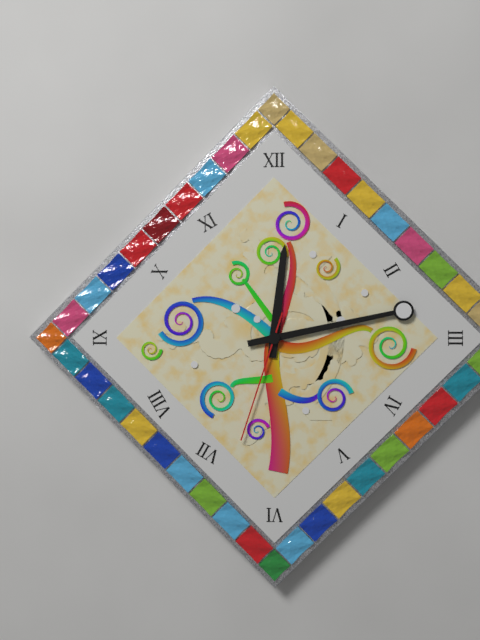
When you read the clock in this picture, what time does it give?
12:13:33
